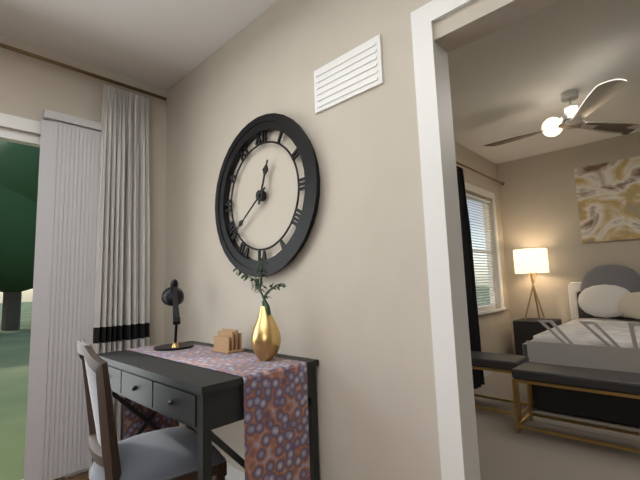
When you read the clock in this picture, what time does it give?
12:39
